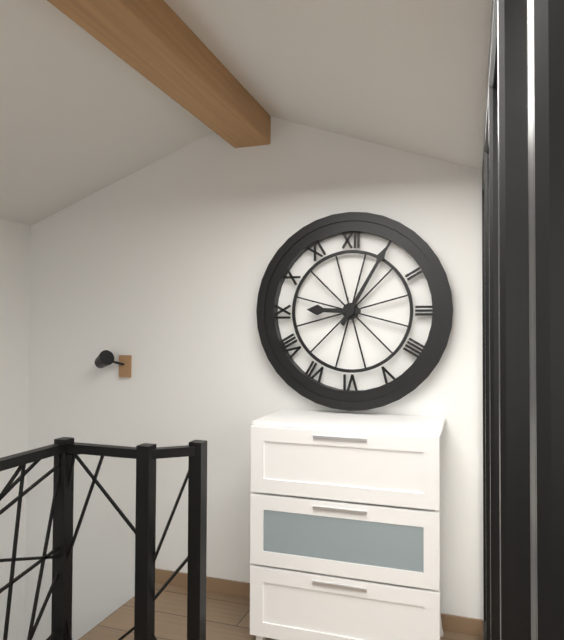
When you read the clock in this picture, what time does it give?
9:05
